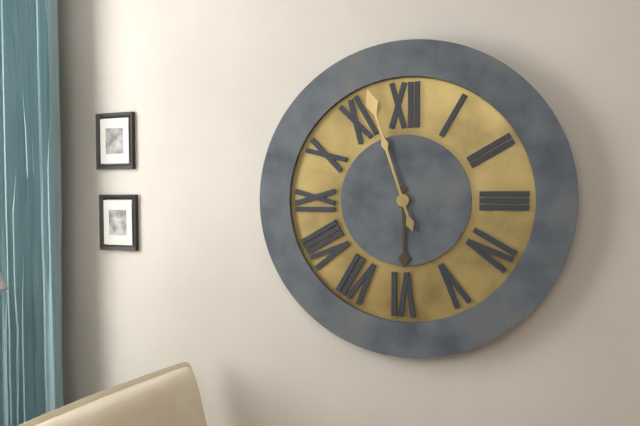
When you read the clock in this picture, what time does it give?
5:57
